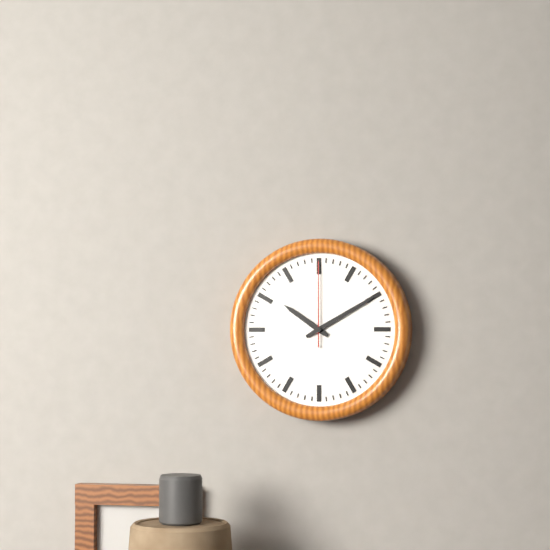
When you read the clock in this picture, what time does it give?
10:10:00
